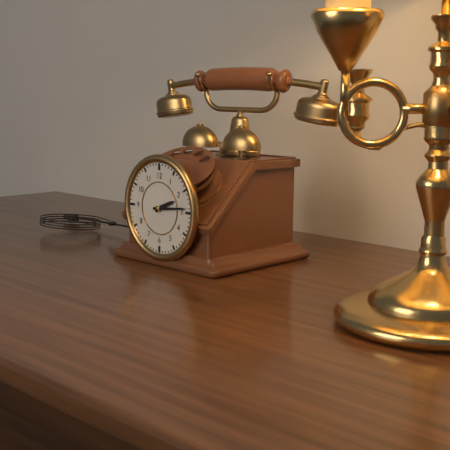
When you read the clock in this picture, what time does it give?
2:14
